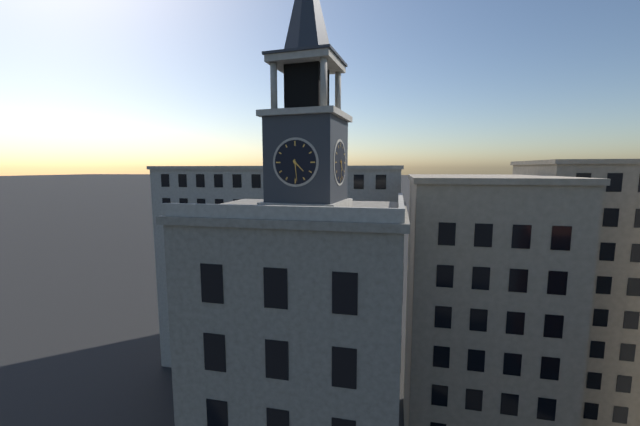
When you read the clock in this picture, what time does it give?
4:29
